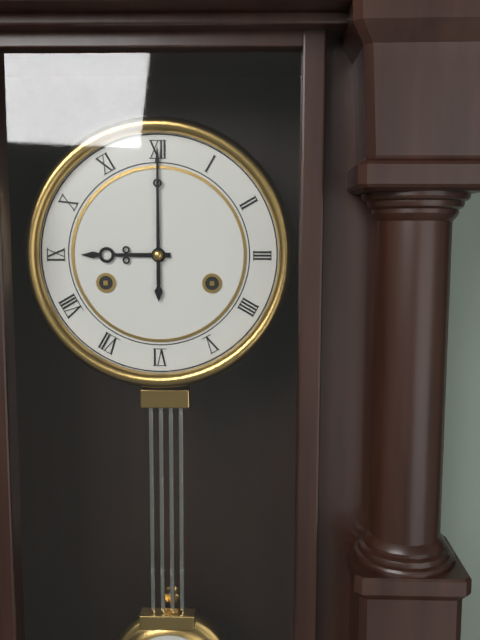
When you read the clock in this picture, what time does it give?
9:00
